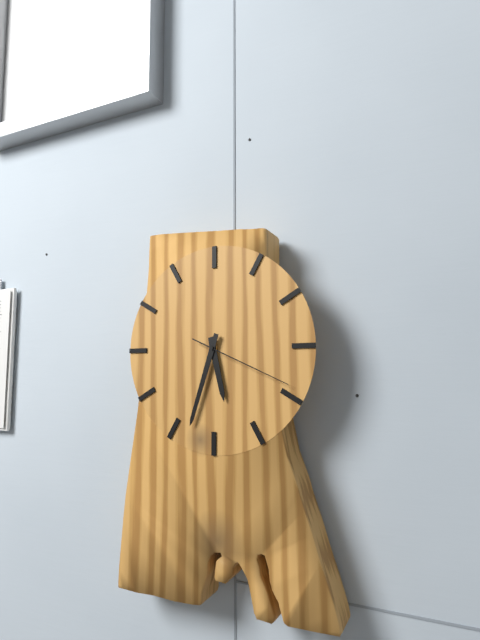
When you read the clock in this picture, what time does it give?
5:33:19
